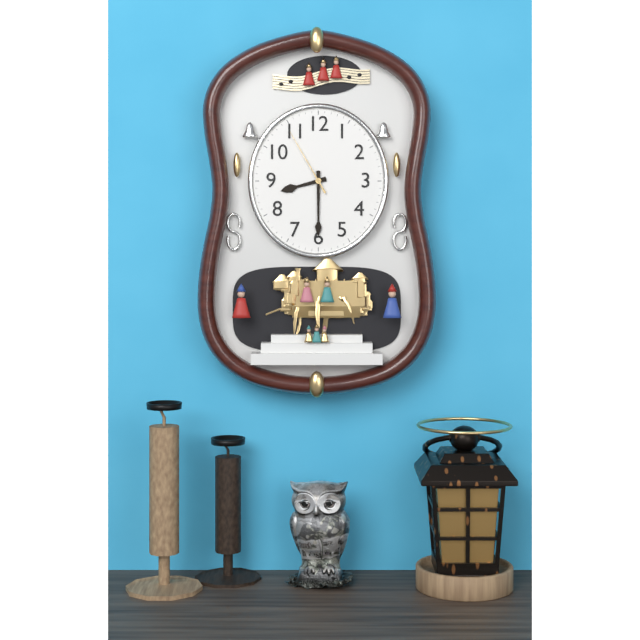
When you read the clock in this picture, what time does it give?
8:30:55
